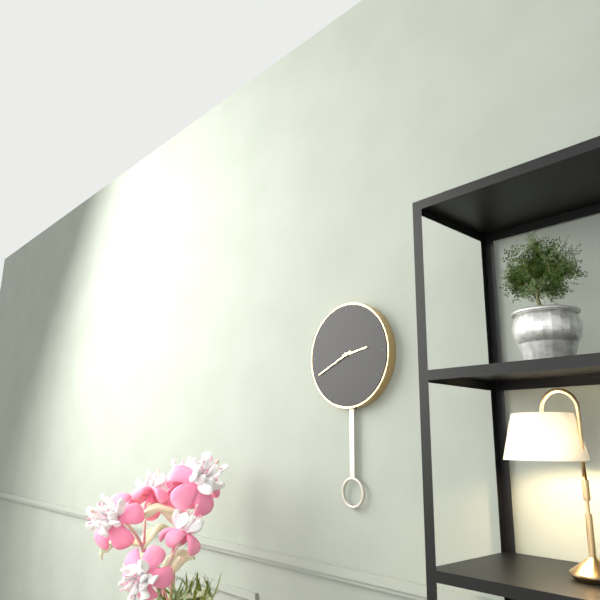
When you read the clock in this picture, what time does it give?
2:41
